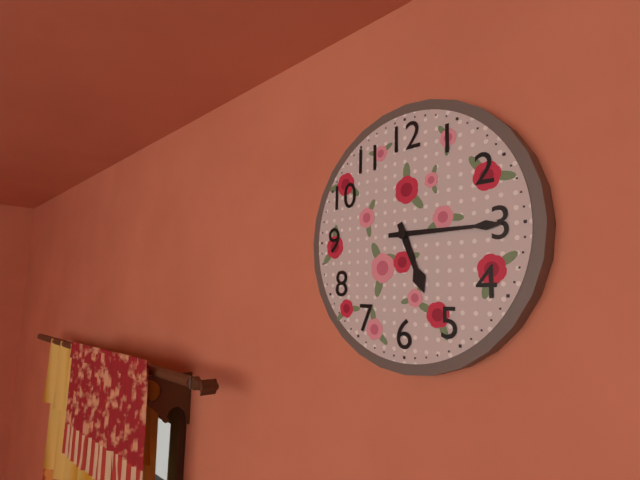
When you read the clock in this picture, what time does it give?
5:15
